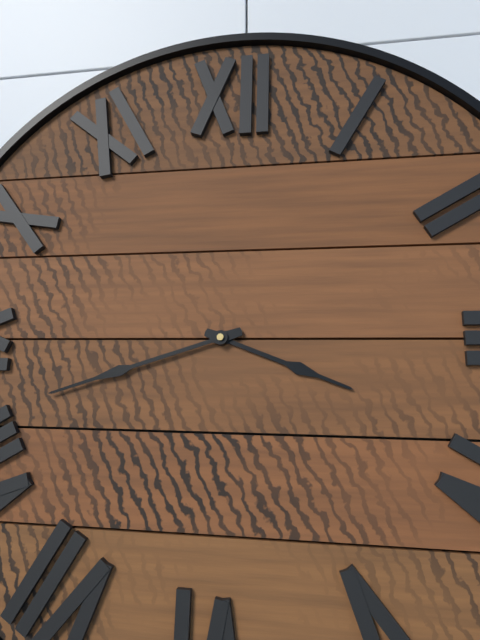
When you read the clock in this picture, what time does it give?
3:42
